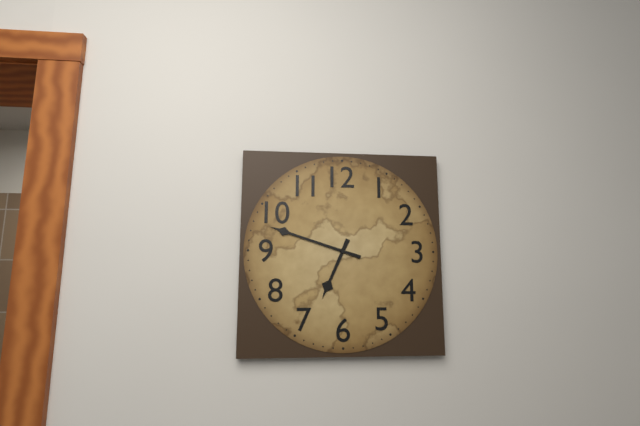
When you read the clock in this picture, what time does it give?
6:48
